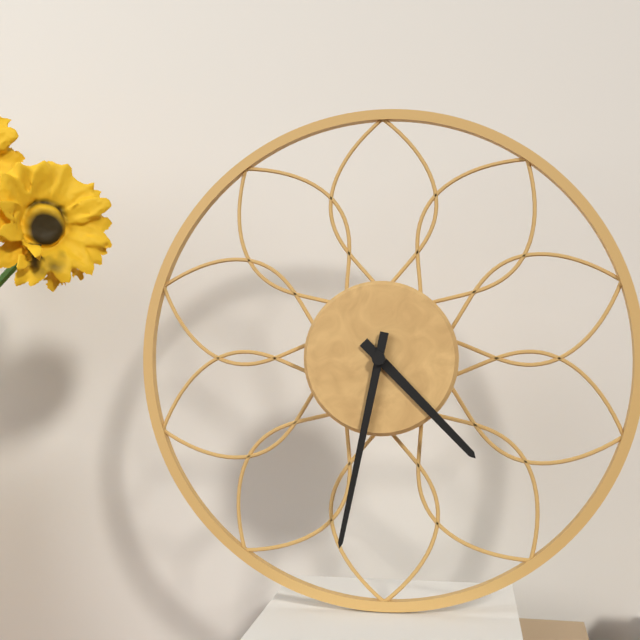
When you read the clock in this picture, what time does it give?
4:32
